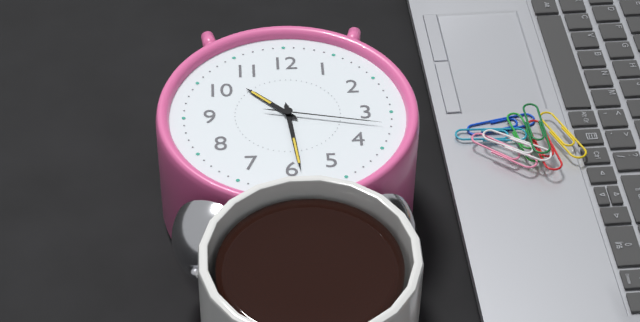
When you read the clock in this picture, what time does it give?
10:29:17
